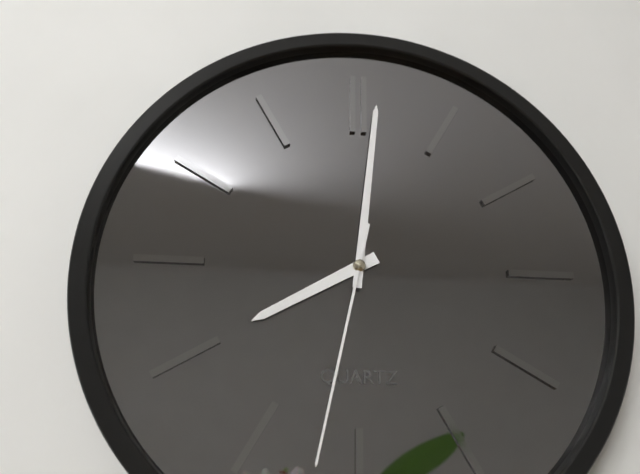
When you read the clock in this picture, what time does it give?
8:01:32
